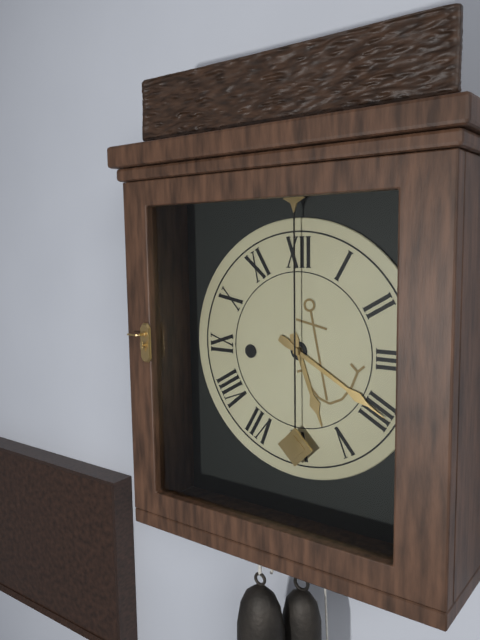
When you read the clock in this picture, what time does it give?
5:20
